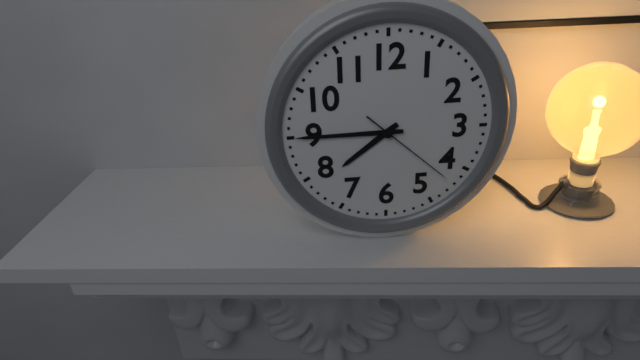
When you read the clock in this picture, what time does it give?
7:45:22
